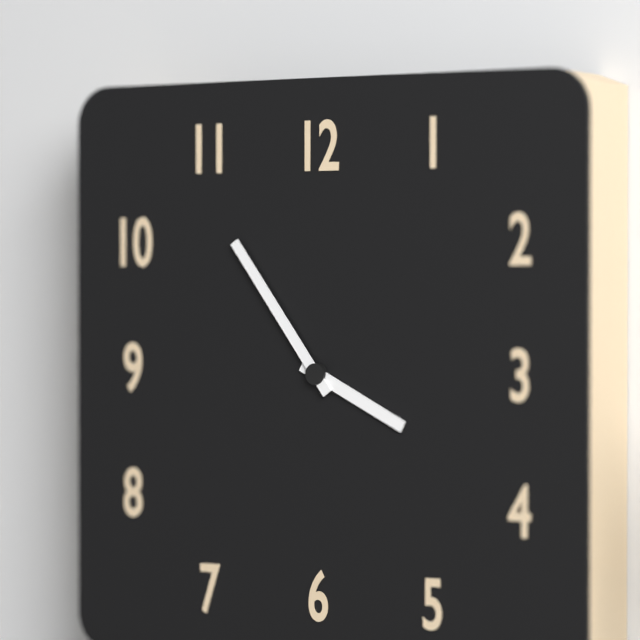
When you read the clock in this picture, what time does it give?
3:54
